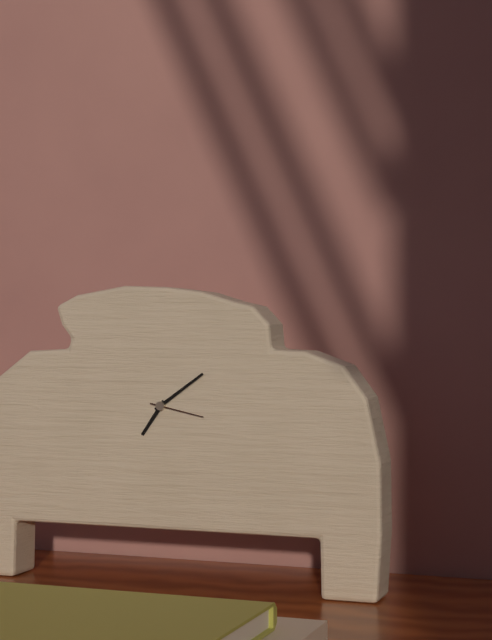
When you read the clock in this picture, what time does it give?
7:09:17
